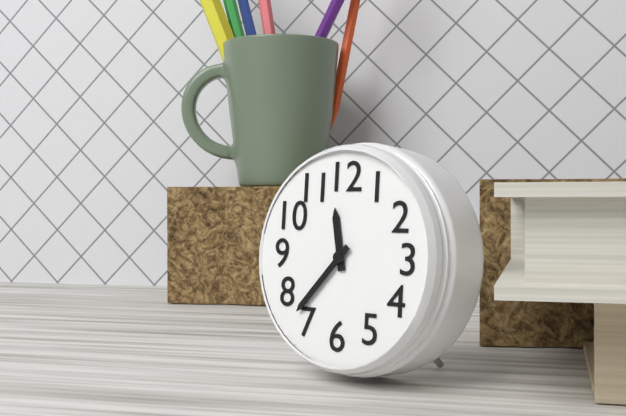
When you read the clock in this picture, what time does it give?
11:37
